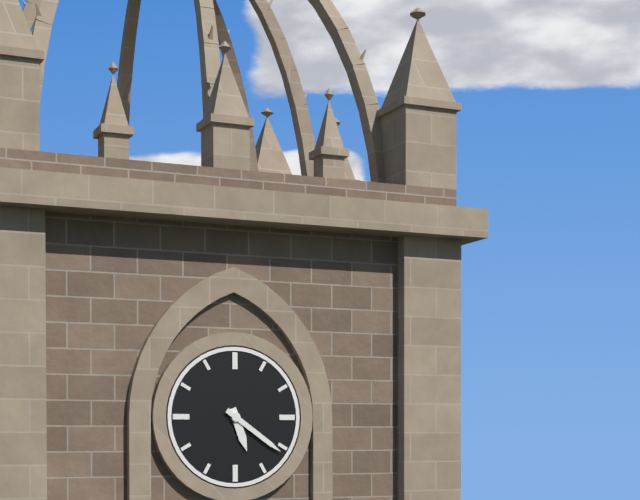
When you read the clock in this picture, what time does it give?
5:21
